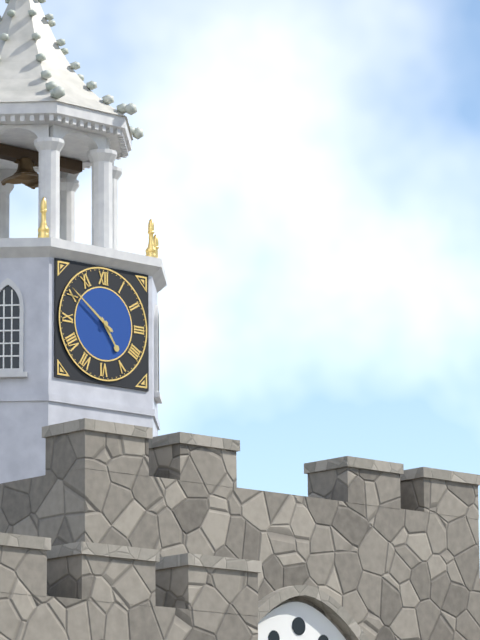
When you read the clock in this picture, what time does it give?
4:51
